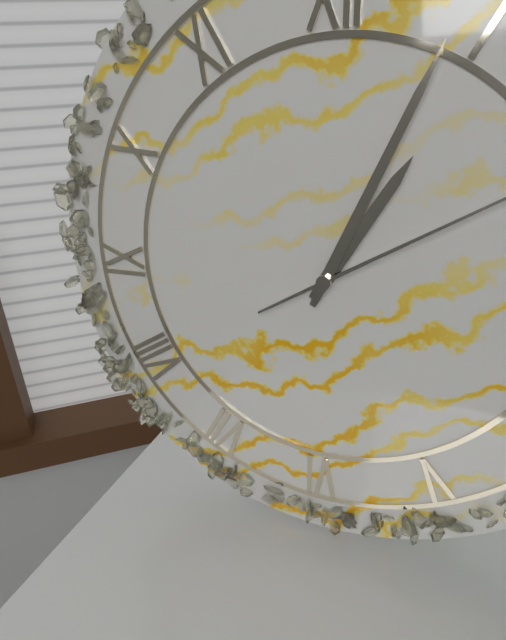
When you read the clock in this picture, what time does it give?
1:04
